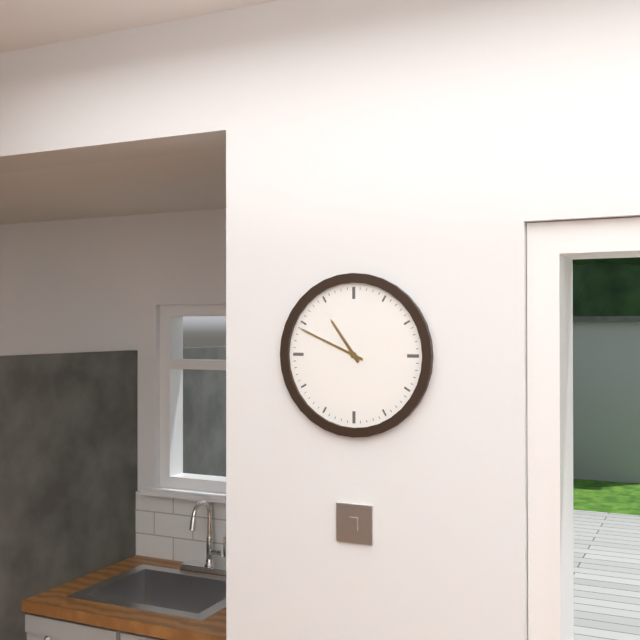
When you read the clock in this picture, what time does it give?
10:49
